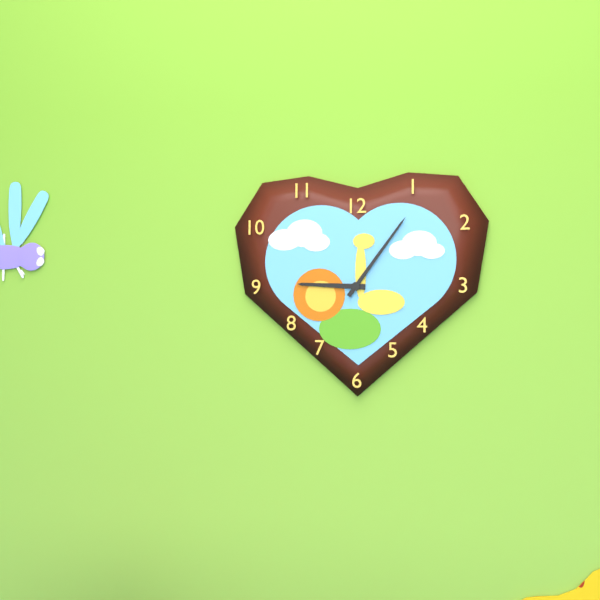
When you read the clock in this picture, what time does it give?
9:06
